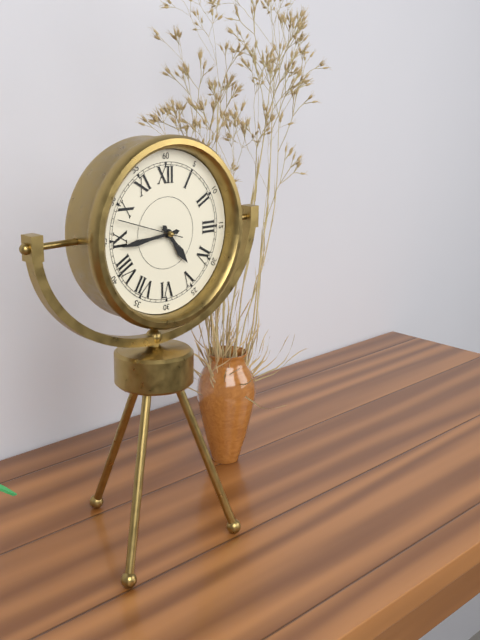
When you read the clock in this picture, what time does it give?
4:44
